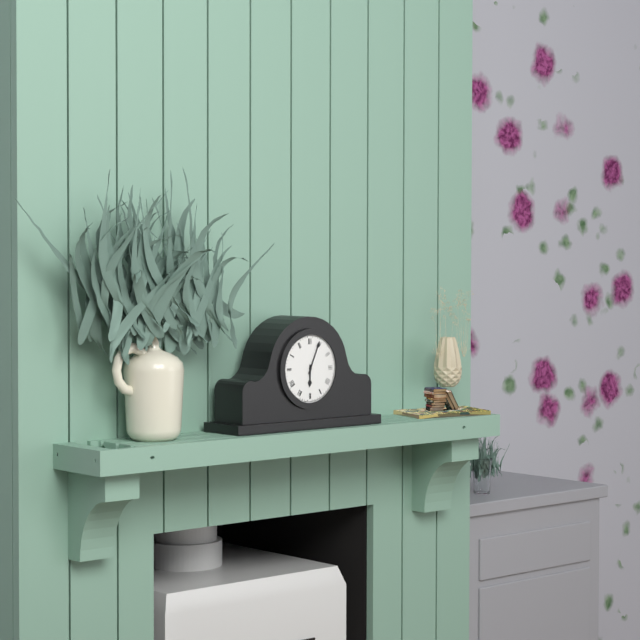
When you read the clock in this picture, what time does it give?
6:04
